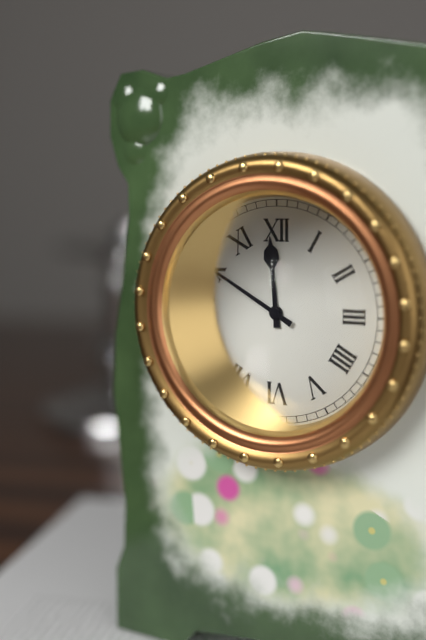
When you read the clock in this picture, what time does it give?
11:50
